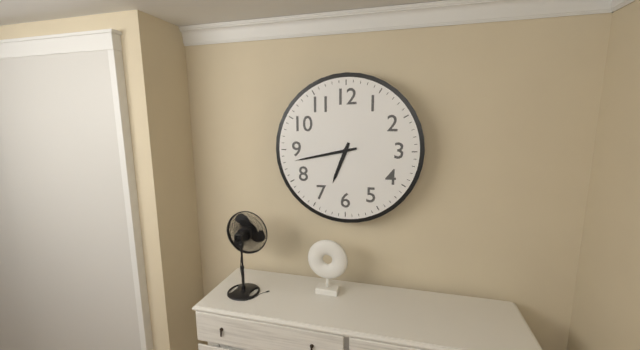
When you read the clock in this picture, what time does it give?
6:43
